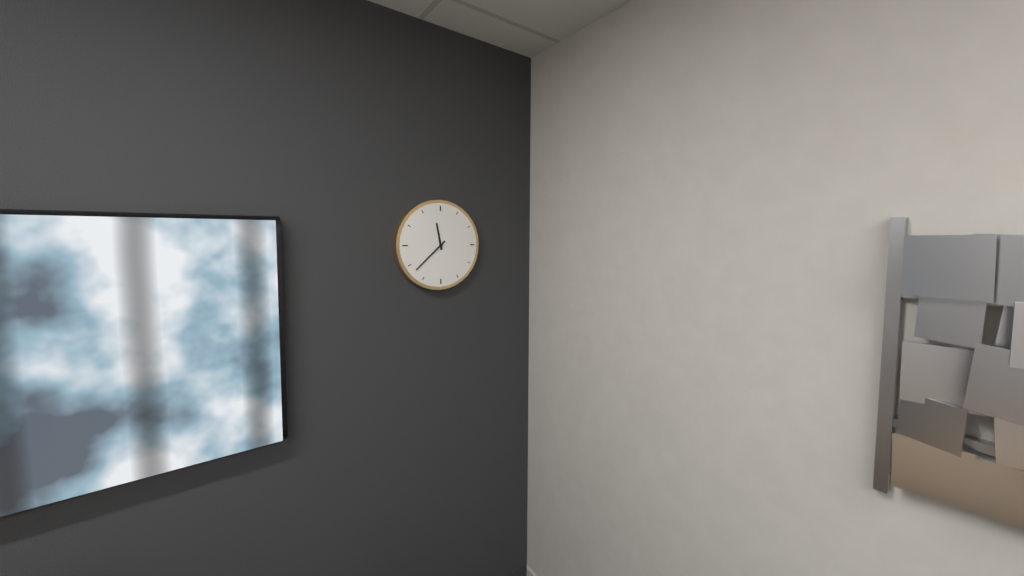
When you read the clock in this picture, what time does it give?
11:38
